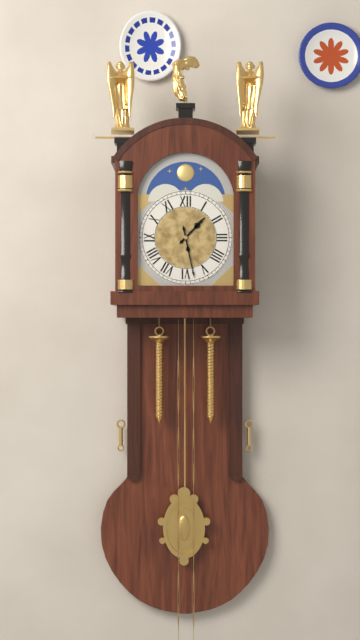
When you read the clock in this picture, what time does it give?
1:28
